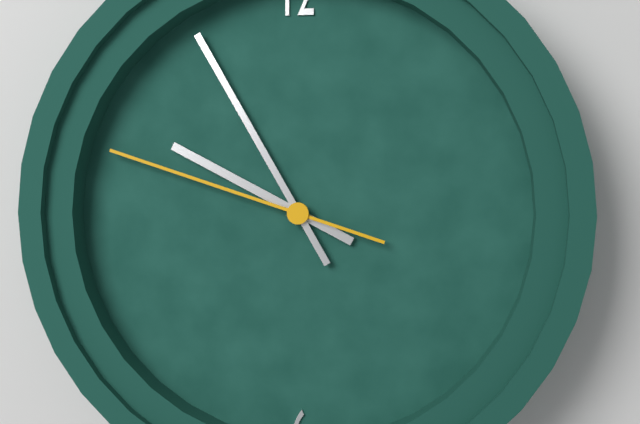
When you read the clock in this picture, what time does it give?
9:55:48
